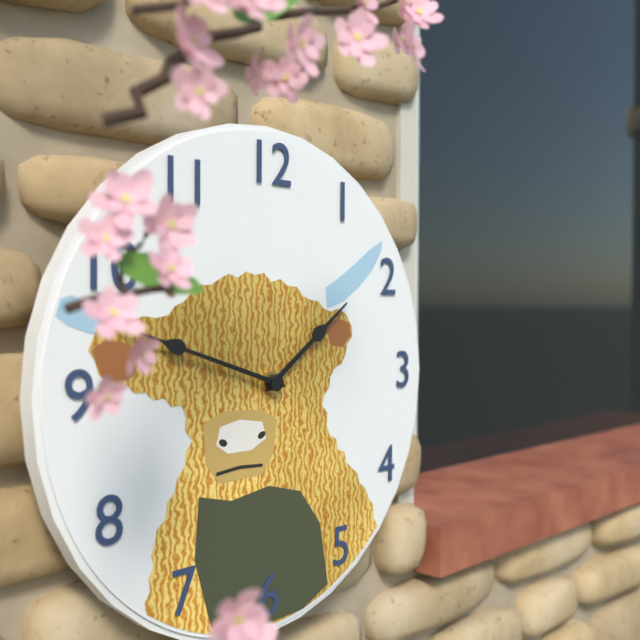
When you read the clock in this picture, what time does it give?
1:48
